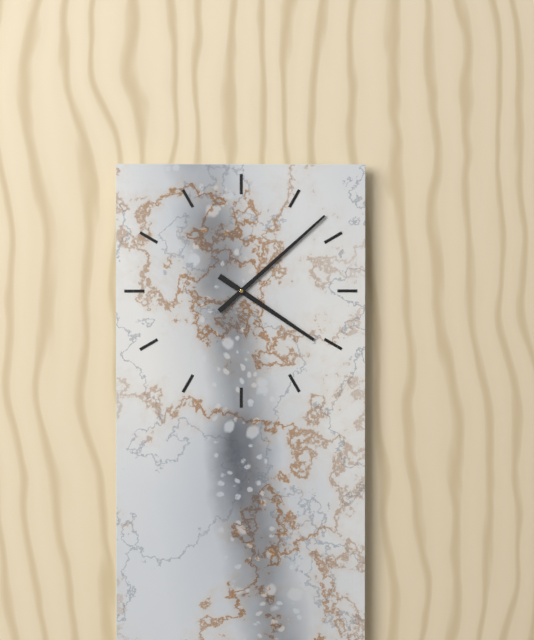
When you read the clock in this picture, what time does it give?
4:08
